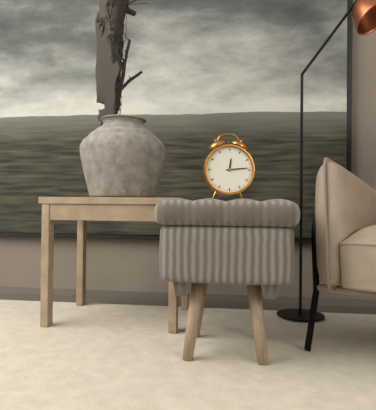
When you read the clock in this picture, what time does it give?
12:14
